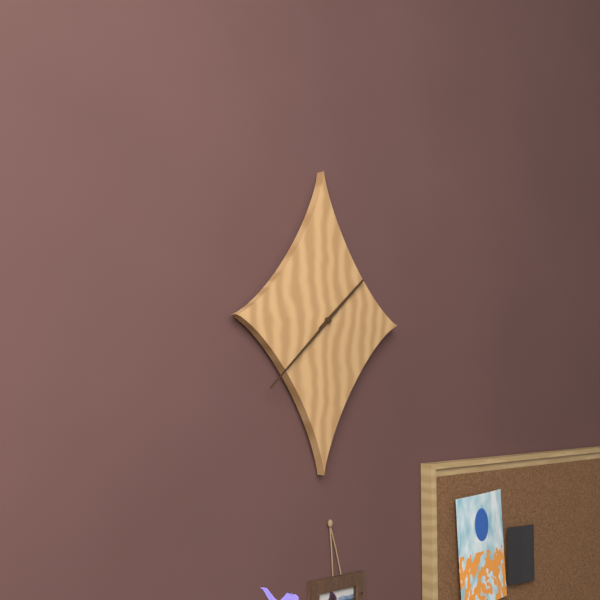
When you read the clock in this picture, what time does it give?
1:38
